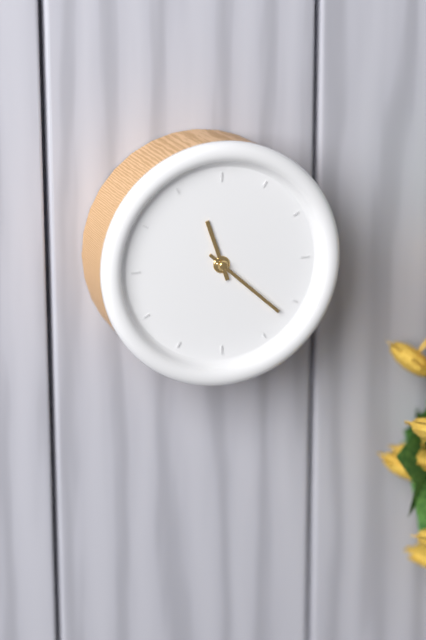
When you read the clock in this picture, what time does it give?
11:22
